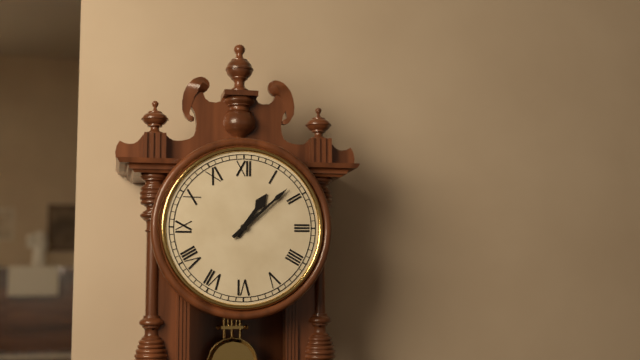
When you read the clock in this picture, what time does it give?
1:08
